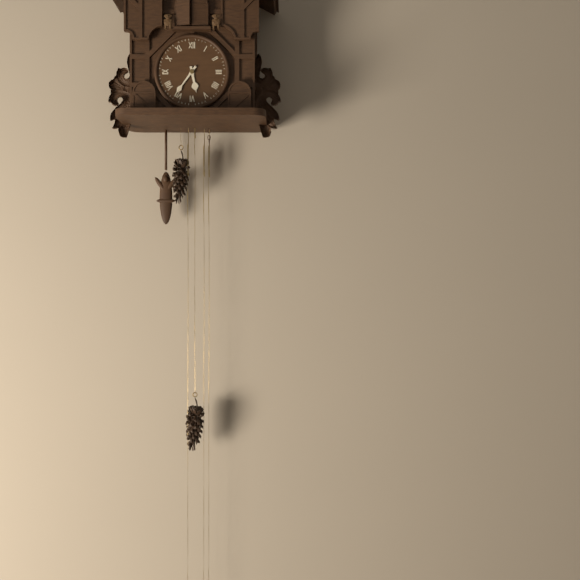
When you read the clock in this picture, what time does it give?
5:36
